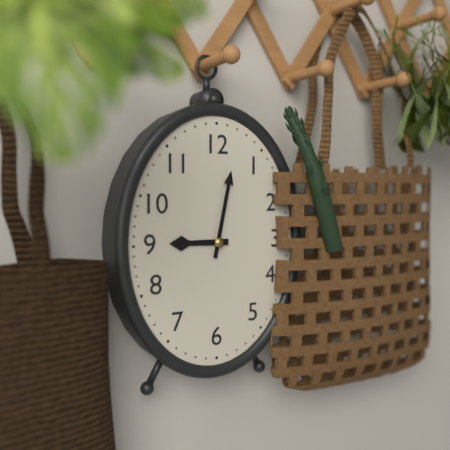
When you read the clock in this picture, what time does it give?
9:02
